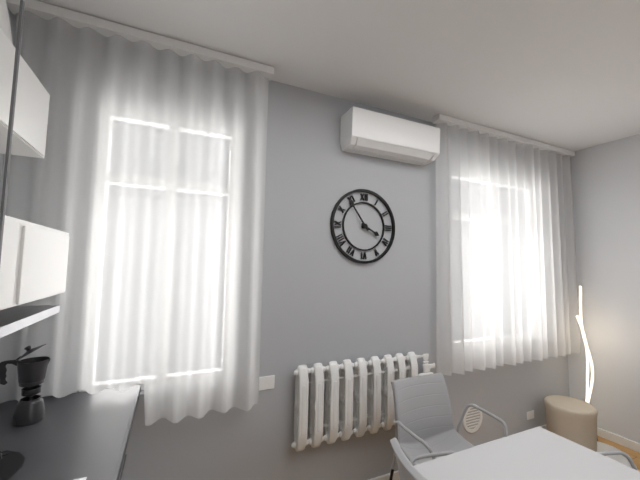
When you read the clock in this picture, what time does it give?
3:54
